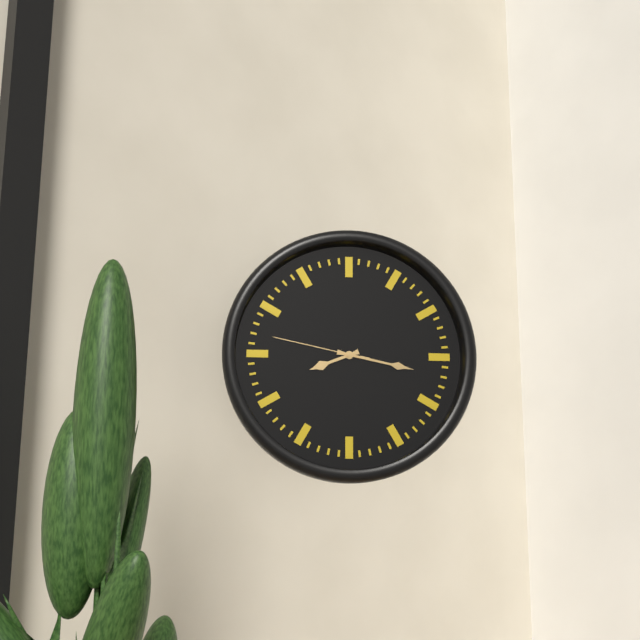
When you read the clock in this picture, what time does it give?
8:17:47
